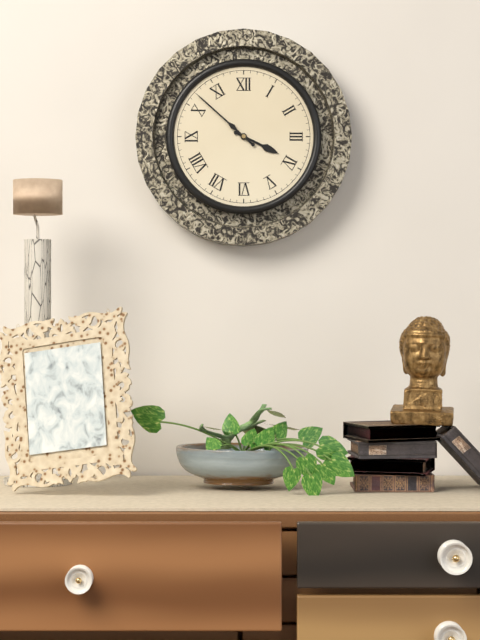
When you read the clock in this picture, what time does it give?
3:52
